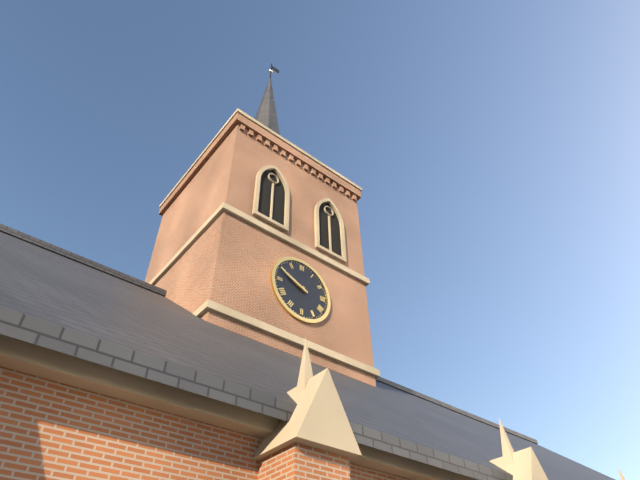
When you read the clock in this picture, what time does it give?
9:49
